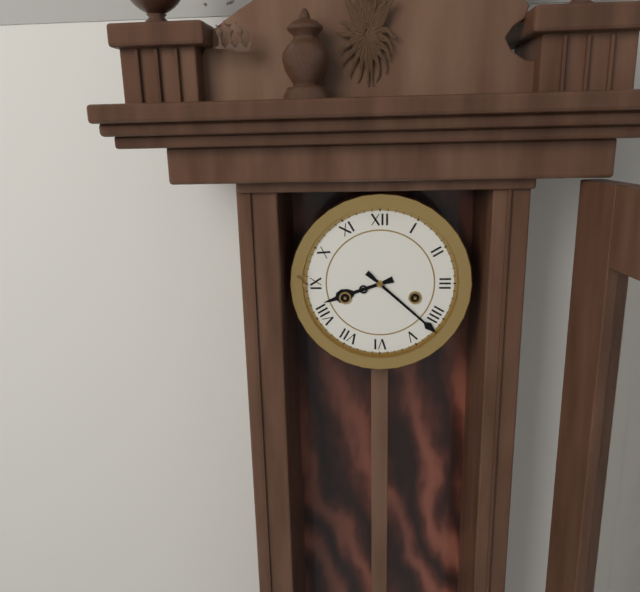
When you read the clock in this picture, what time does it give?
8:22
